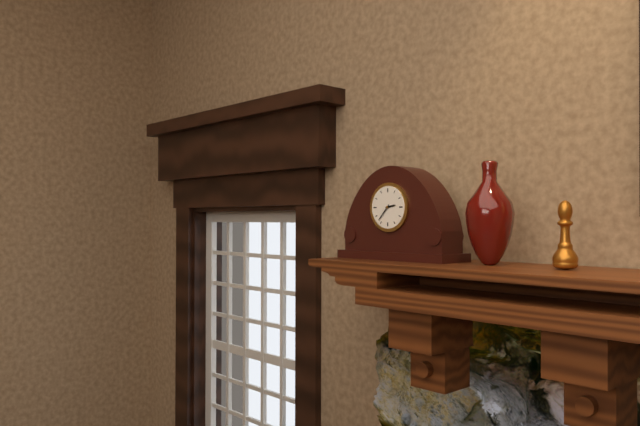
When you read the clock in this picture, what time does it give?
2:37
